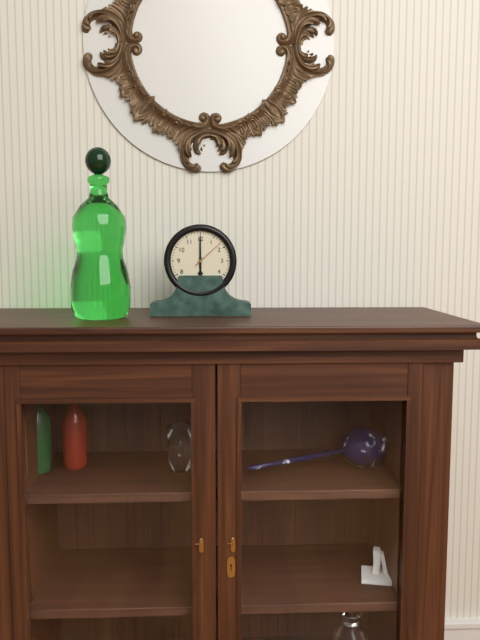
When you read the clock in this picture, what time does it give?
6:00
